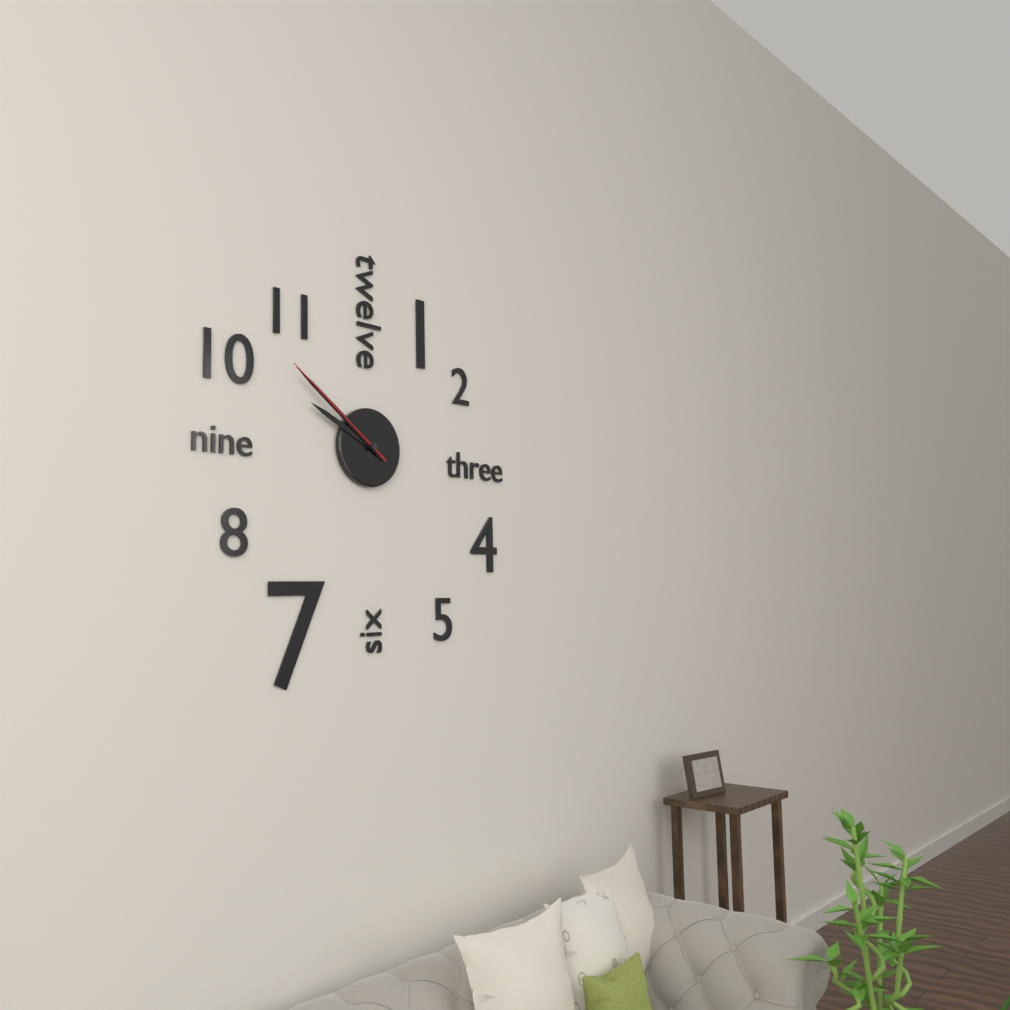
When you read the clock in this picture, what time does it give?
9:51:51
